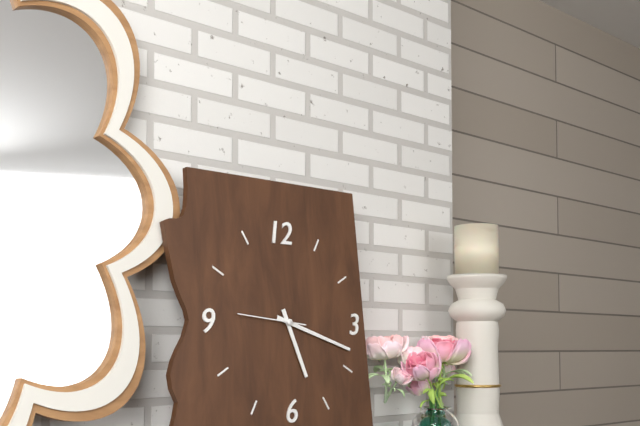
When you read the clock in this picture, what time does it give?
5:18:46
